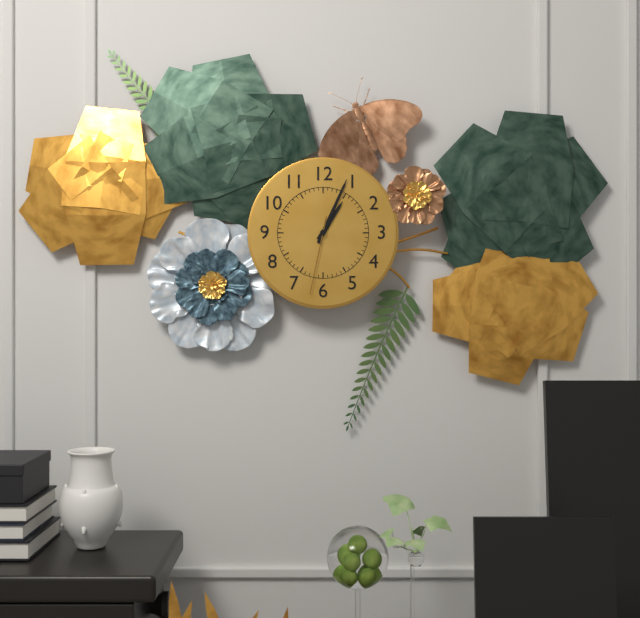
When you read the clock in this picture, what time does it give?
1:04:32
